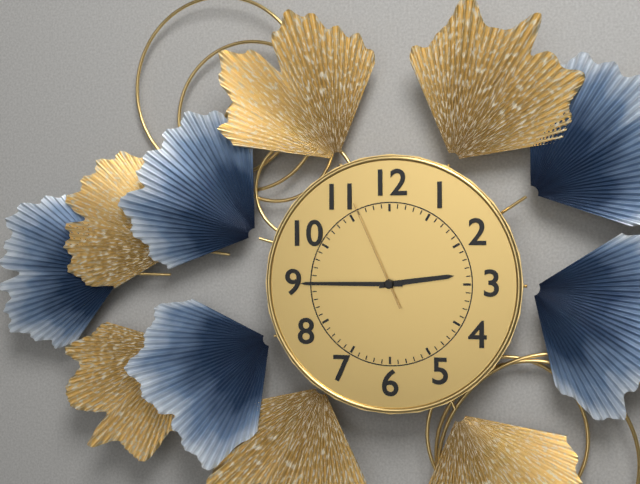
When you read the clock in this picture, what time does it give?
2:45:56
